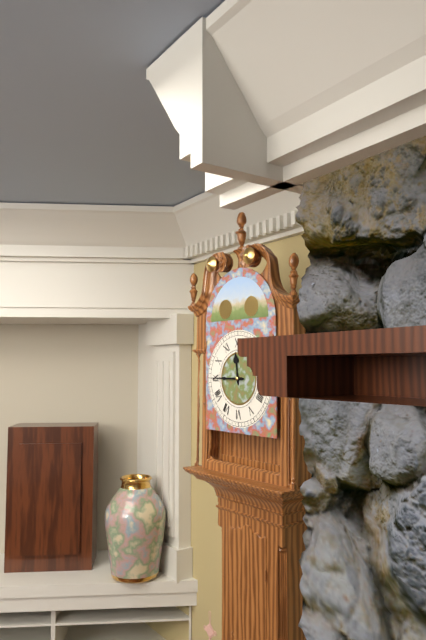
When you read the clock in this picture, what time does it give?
11:45
